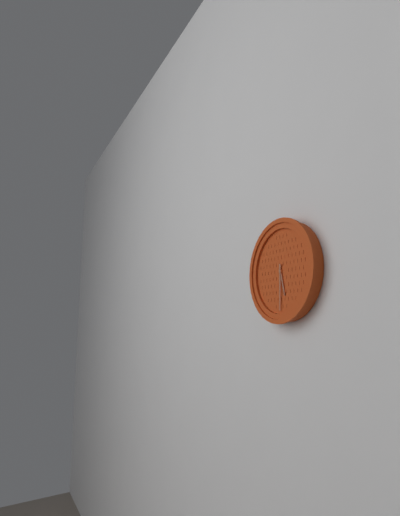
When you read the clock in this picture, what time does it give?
5:30
